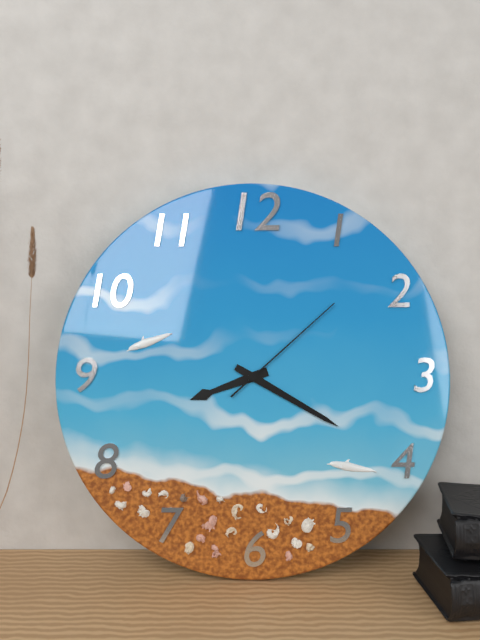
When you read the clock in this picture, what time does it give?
8:20:08
